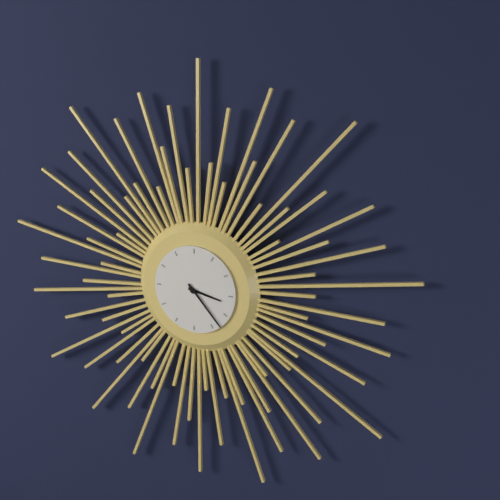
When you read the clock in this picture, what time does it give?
3:23
